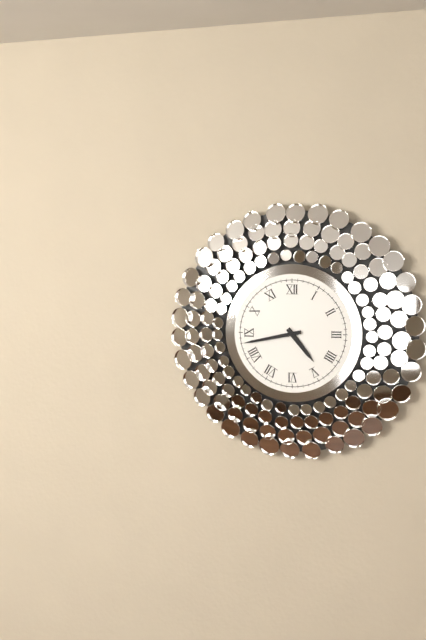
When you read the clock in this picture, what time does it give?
4:43
